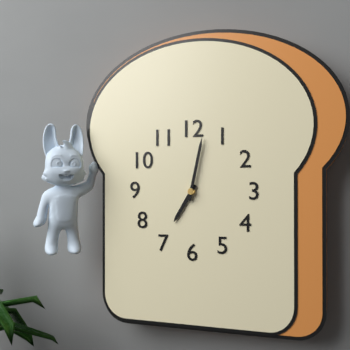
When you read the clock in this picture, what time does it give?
7:02
